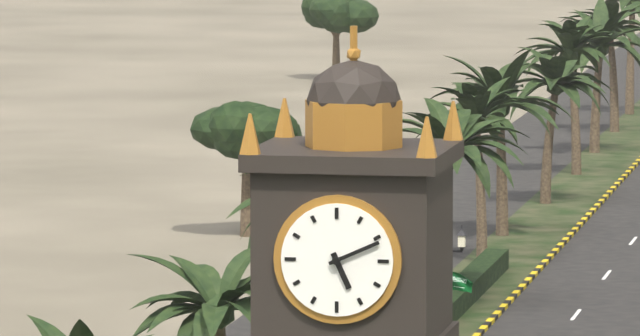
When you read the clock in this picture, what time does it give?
5:11
